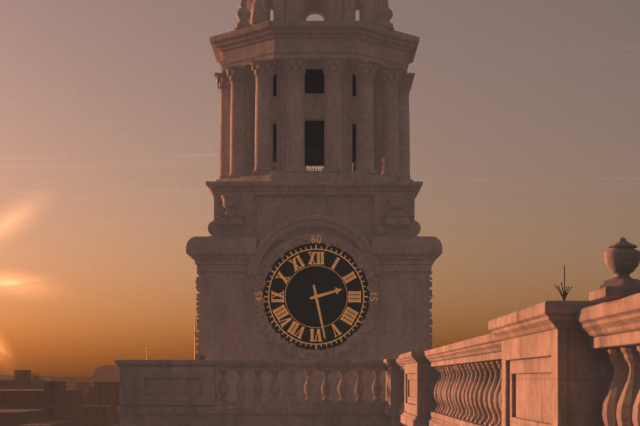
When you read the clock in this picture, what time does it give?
2:28
